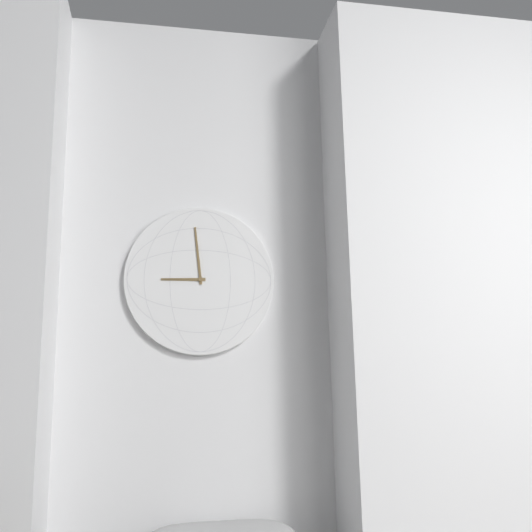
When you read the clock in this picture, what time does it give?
8:59
